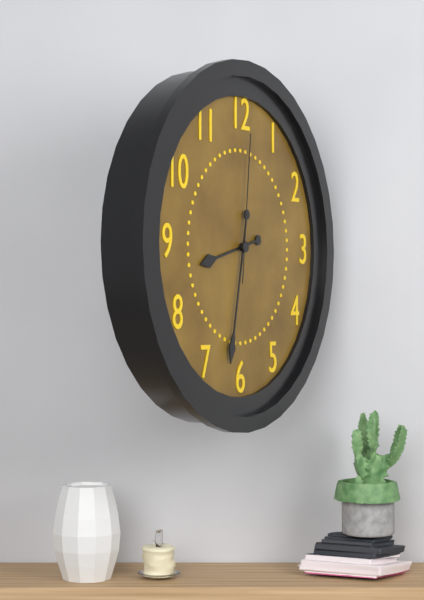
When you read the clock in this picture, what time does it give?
8:32:01
